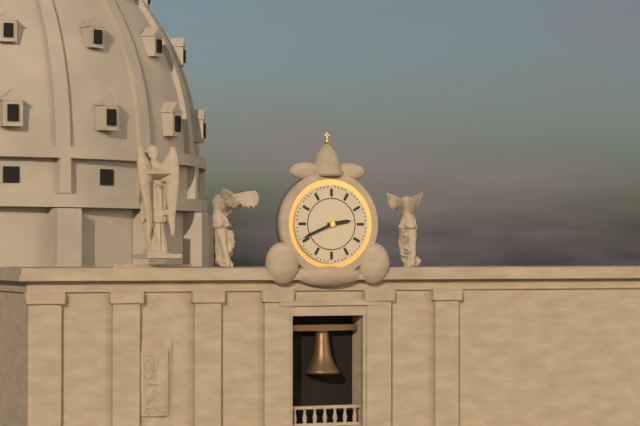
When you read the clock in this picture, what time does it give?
2:41
